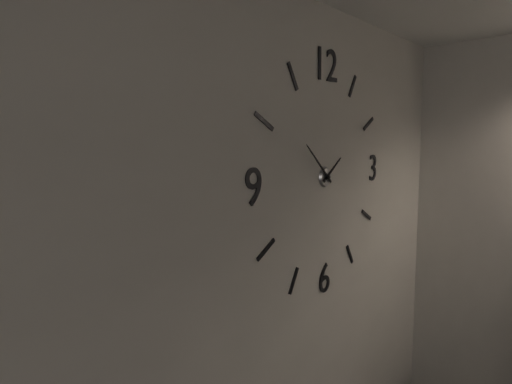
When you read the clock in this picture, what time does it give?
1:52
